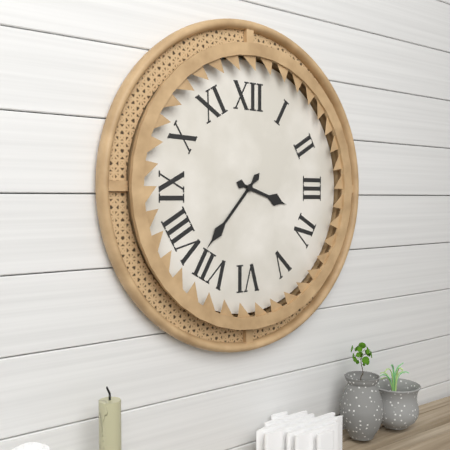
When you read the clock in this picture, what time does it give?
3:37
